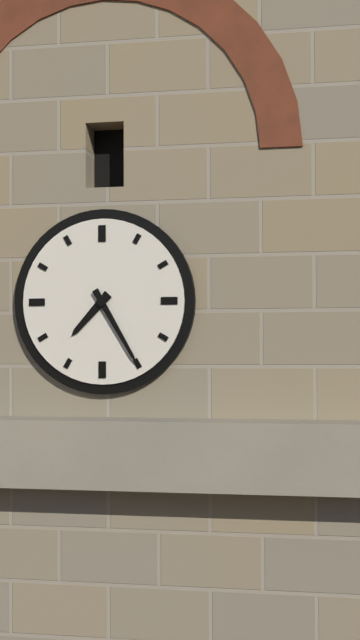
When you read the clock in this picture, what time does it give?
7:25
